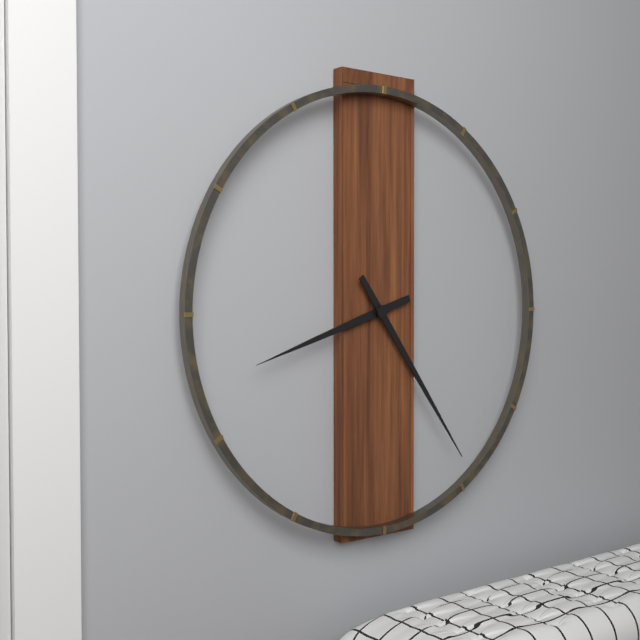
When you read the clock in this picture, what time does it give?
8:24
